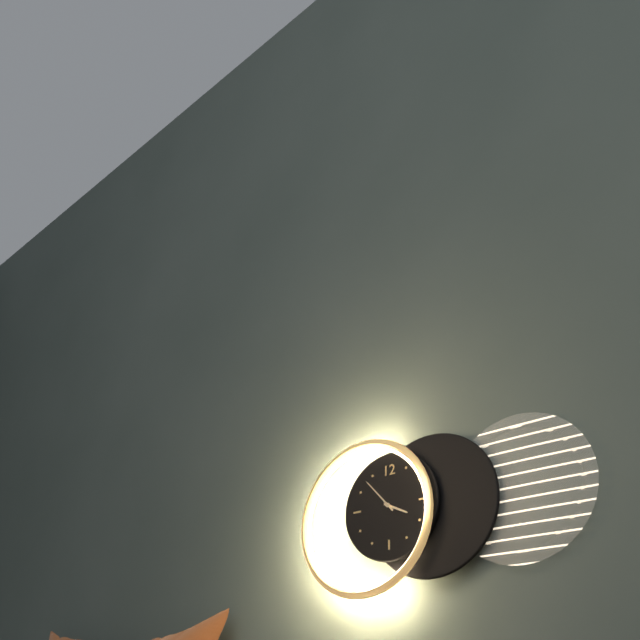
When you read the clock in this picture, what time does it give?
3:53
